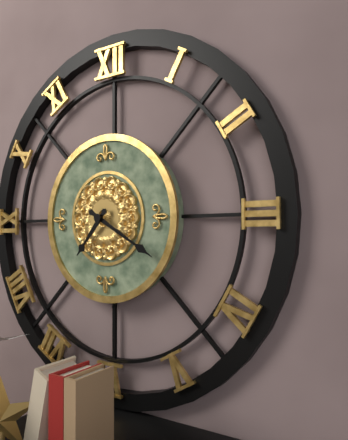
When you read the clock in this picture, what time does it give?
7:20
